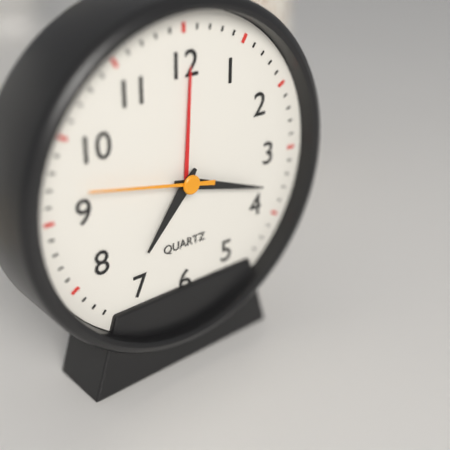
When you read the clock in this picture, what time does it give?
7:18:47
